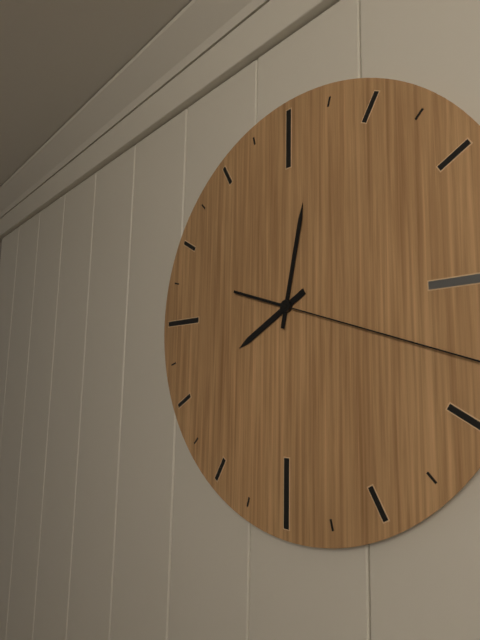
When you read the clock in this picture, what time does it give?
8:02
